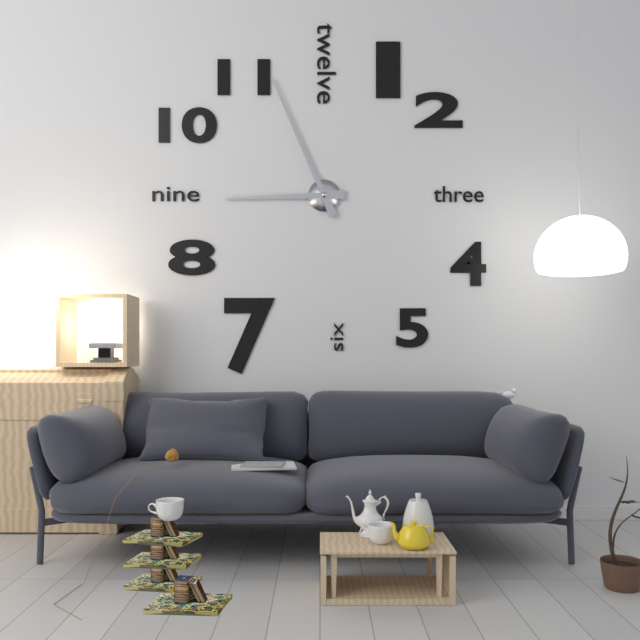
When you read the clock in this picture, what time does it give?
8:56
